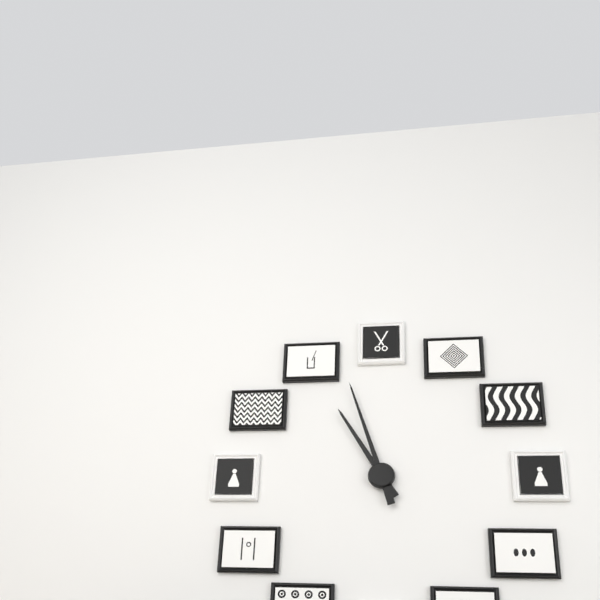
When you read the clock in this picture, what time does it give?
10:57
